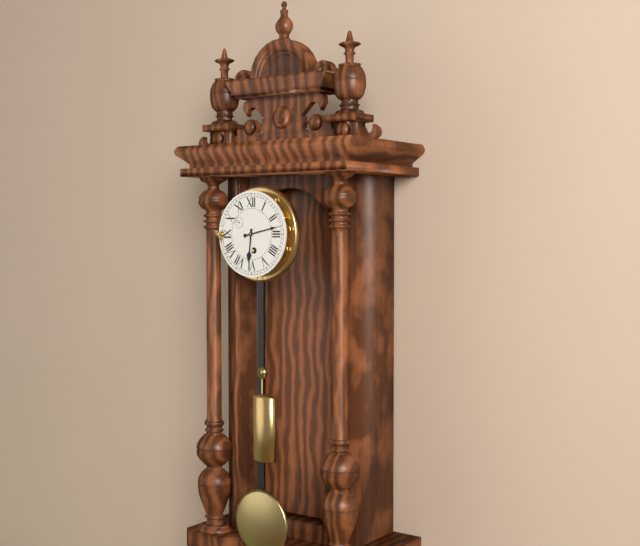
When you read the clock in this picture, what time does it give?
6:13
